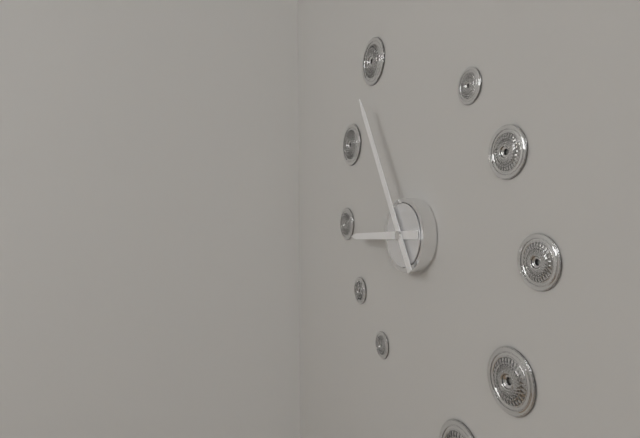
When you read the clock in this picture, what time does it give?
8:55
